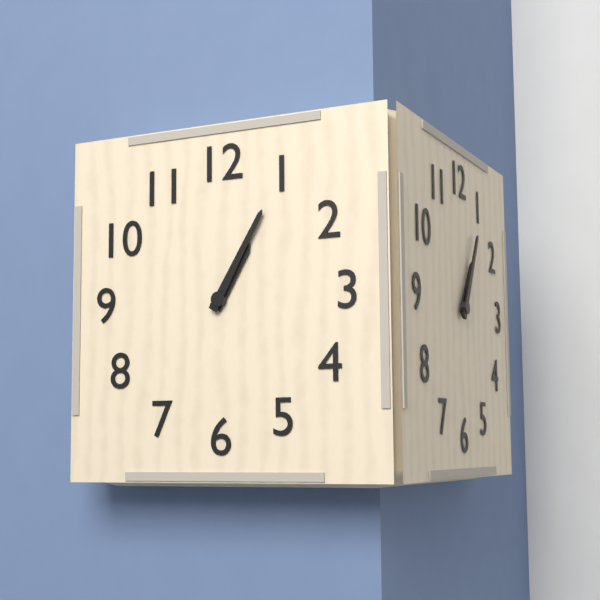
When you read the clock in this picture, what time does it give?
1:05
